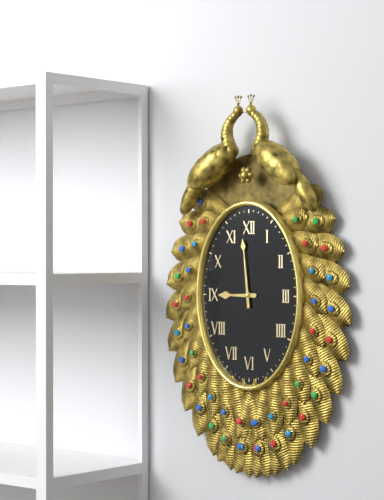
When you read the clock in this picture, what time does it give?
8:59
